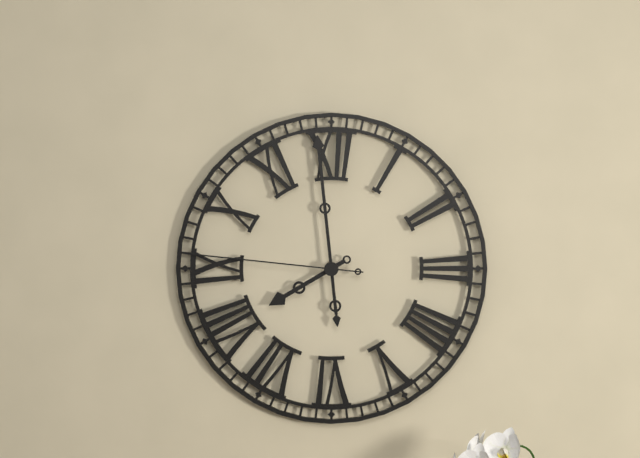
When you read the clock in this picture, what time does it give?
7:59:46
